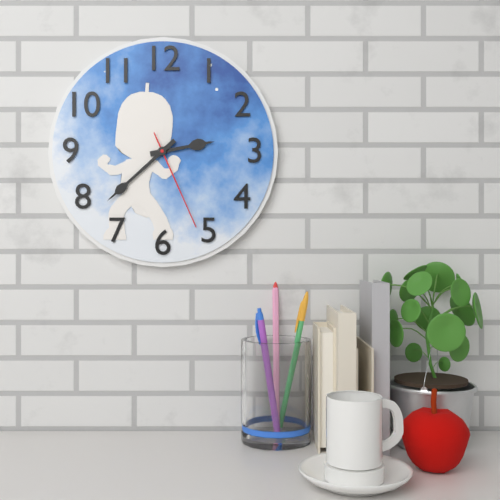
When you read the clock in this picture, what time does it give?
2:38:26
